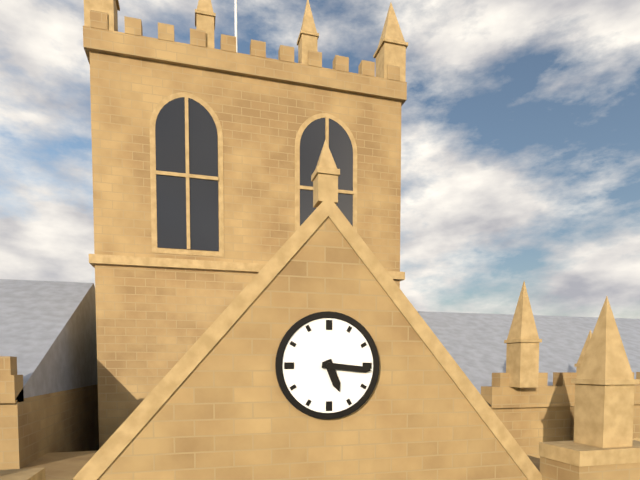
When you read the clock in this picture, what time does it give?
5:16
